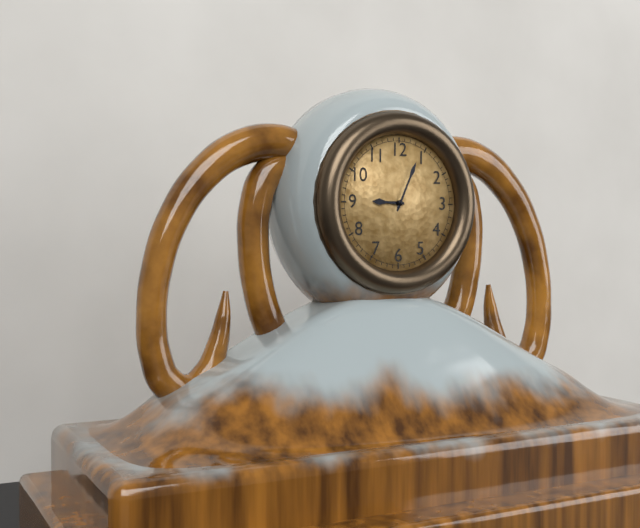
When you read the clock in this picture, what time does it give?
9:04
